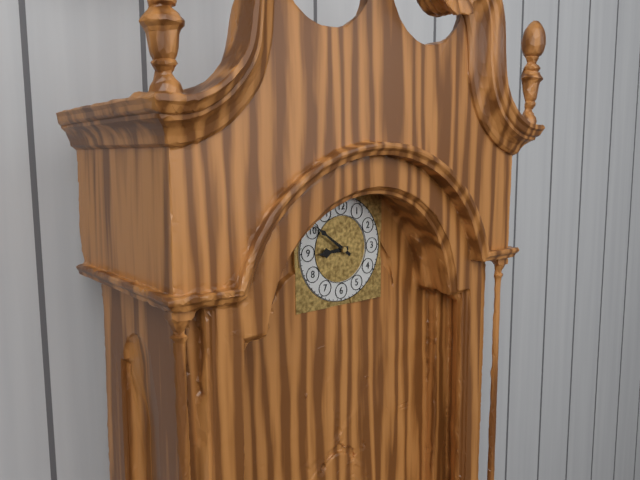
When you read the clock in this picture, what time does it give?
8:51
